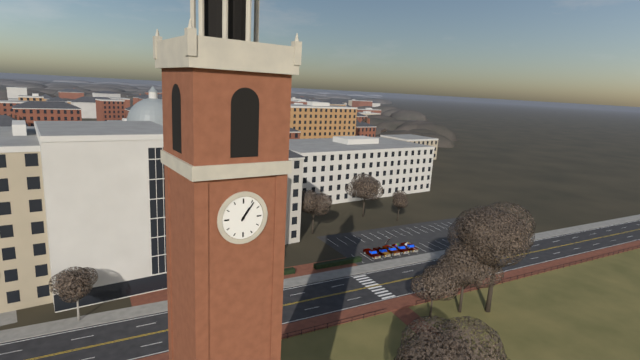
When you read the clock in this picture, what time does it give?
1:06
